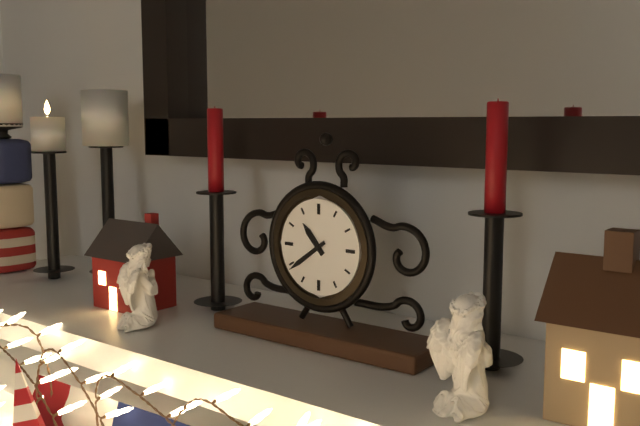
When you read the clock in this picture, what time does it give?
10:39
